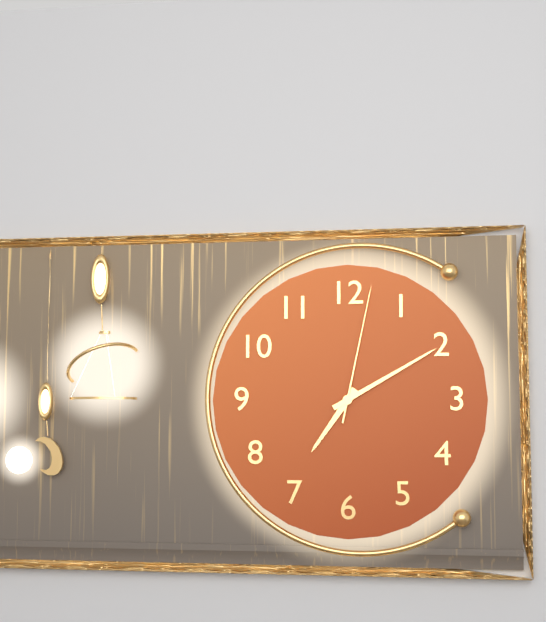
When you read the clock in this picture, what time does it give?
7:10:02
